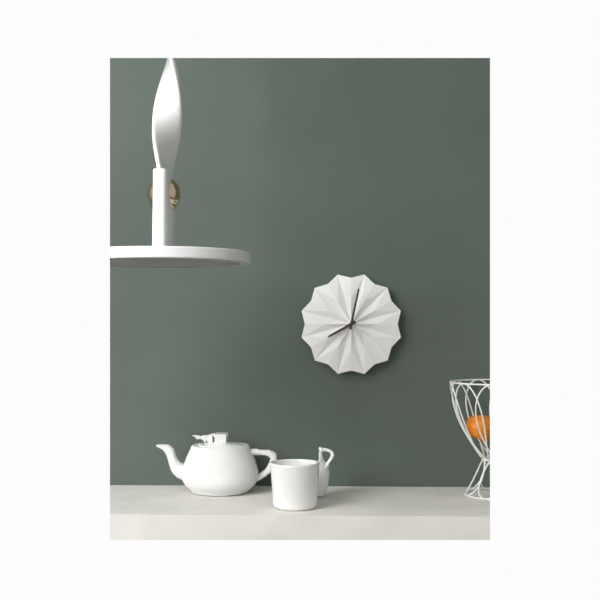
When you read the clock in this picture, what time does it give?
8:02
